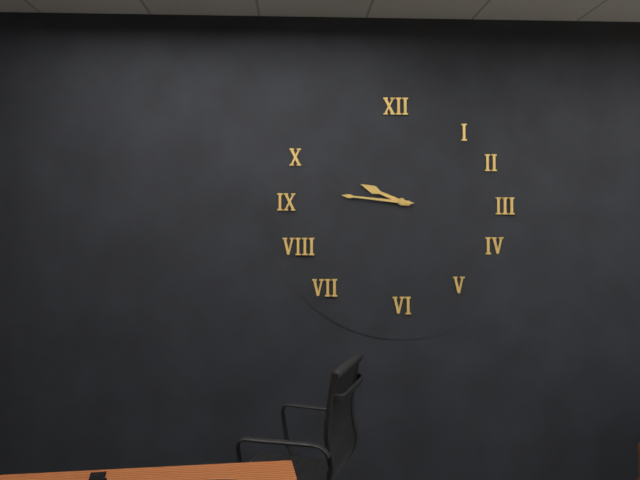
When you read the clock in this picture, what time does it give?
9:46
